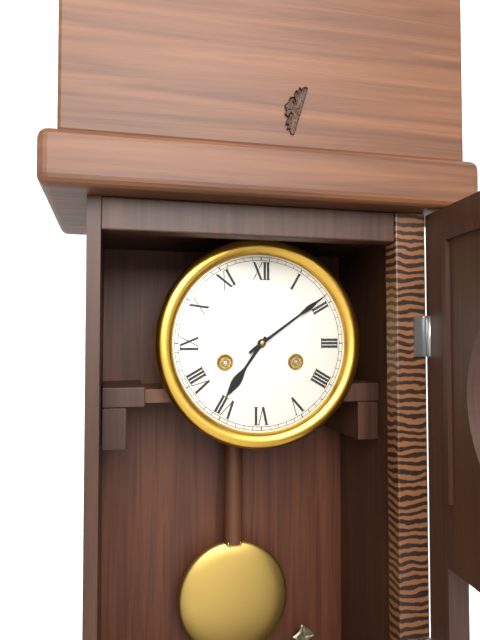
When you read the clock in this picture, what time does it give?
7:09
